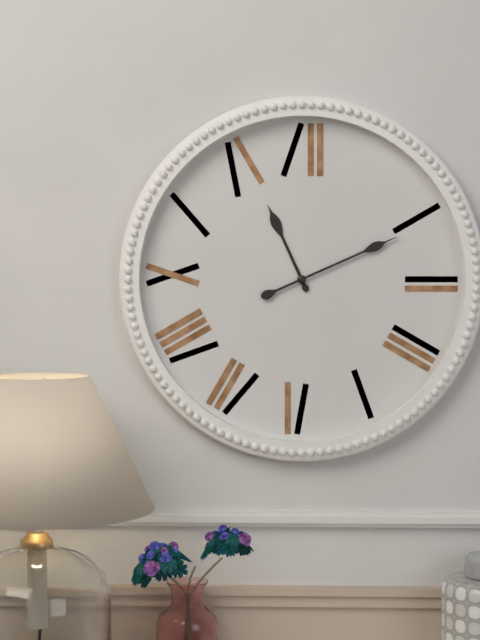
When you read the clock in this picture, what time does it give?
11:11
